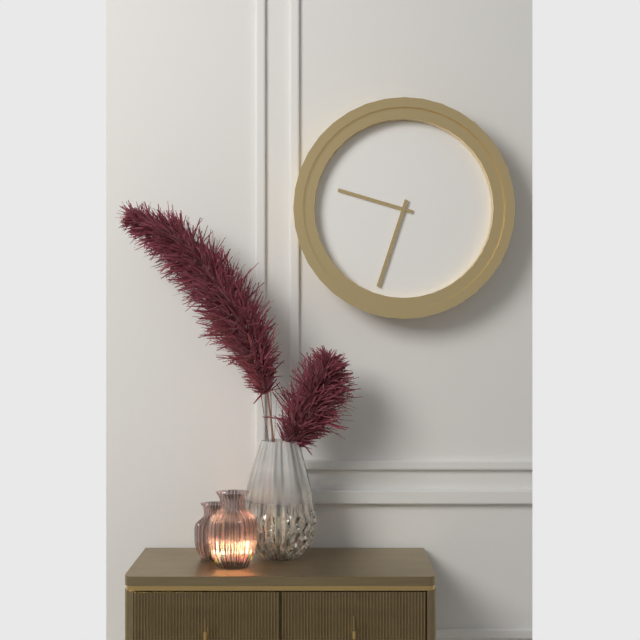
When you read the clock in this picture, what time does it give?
9:33
